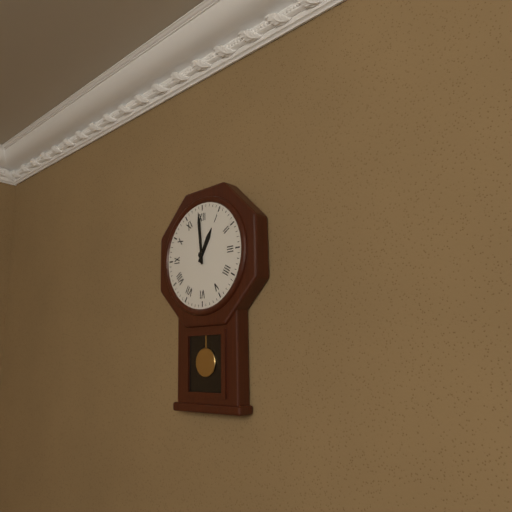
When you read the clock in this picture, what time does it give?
12:59
